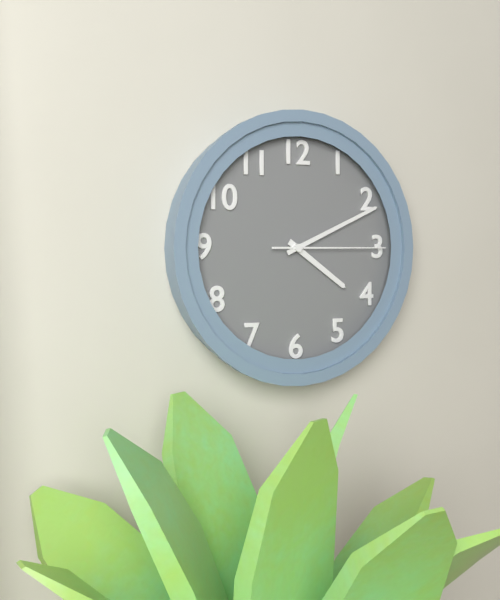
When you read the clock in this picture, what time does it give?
4:11:15
